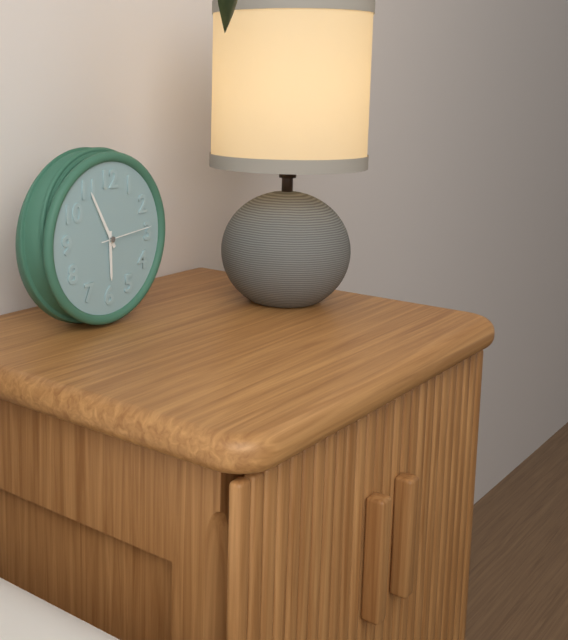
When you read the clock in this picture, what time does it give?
5:55:14
